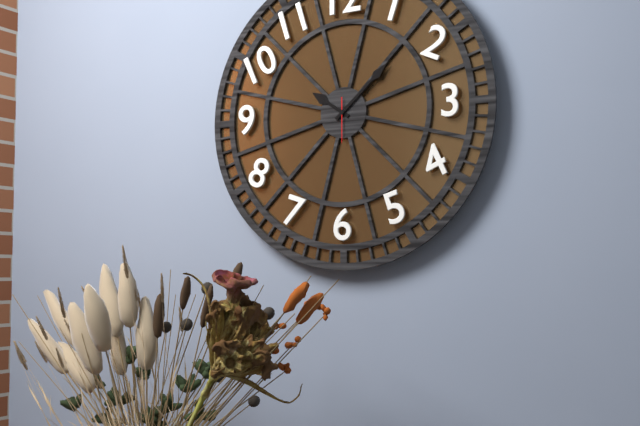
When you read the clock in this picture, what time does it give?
10:08
